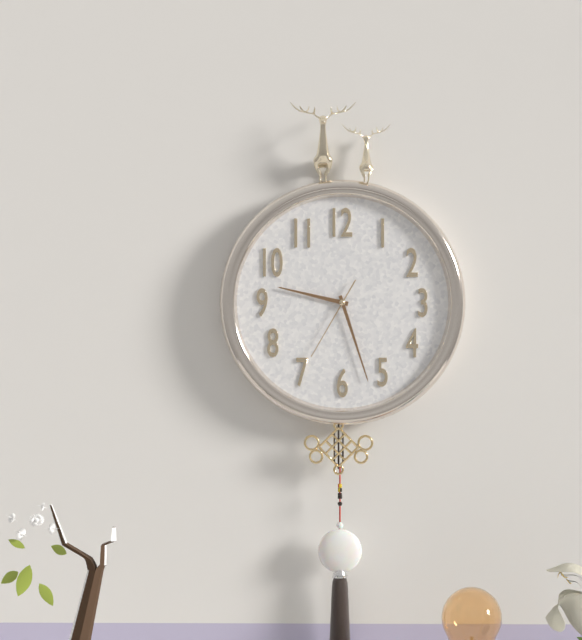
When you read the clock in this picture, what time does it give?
9:27:35
